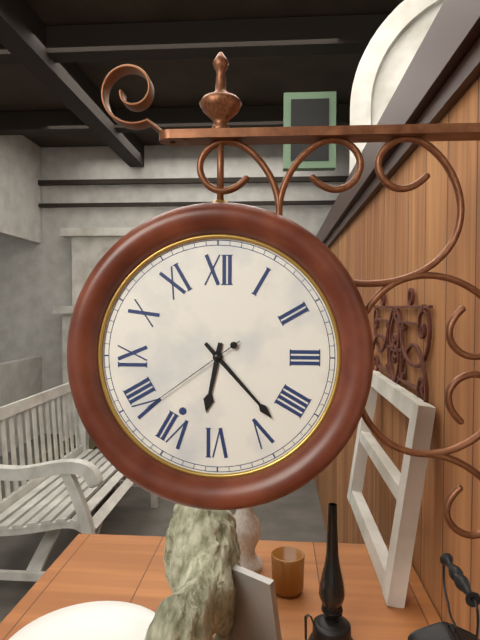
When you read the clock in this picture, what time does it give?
6:23:39
